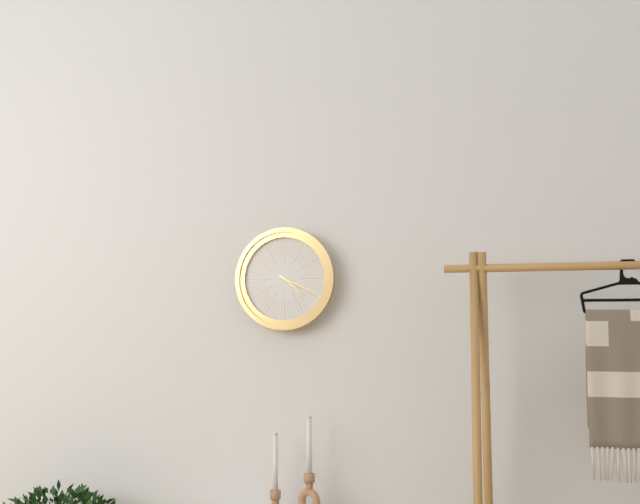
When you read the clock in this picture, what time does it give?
4:19
